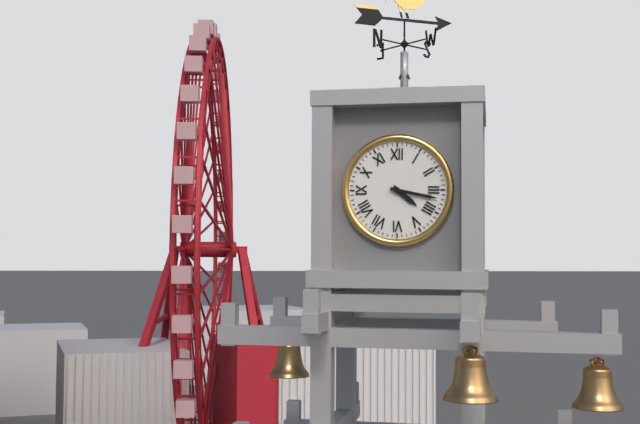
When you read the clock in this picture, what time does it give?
4:17
